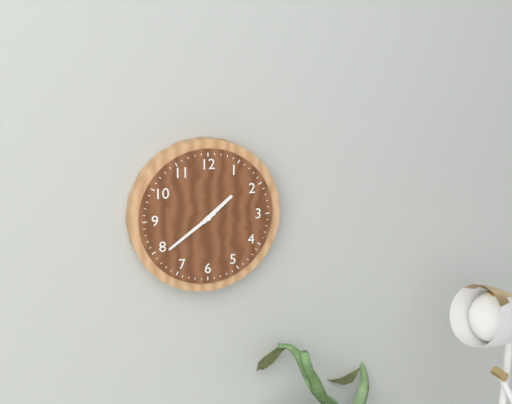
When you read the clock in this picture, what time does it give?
1:39
